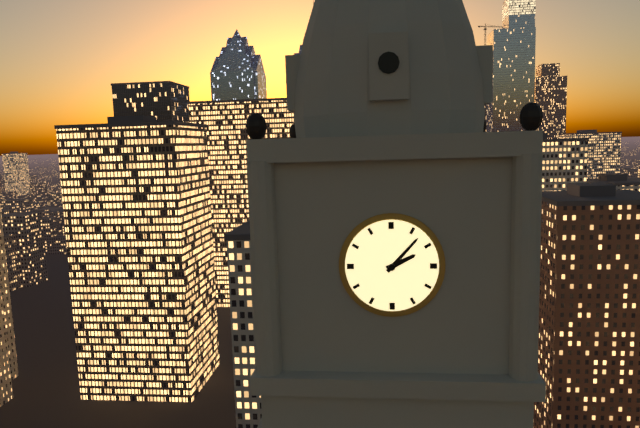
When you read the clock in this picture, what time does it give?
2:07
